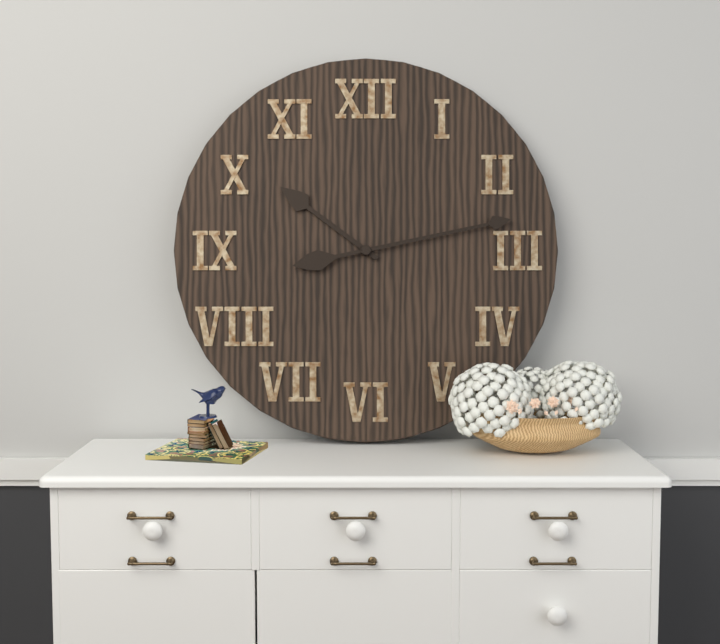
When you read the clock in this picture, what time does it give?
10:13
